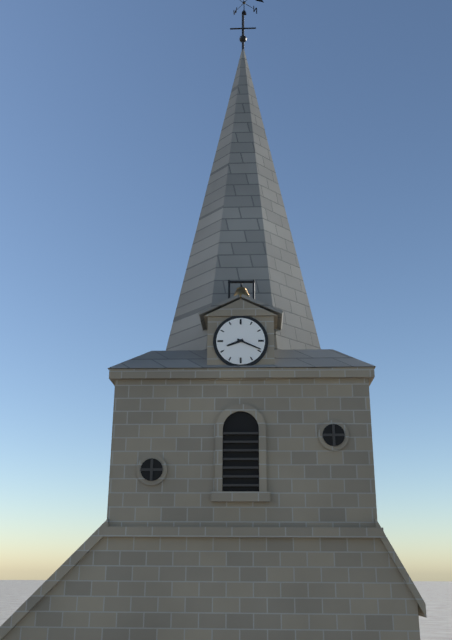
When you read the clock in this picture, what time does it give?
8:19
